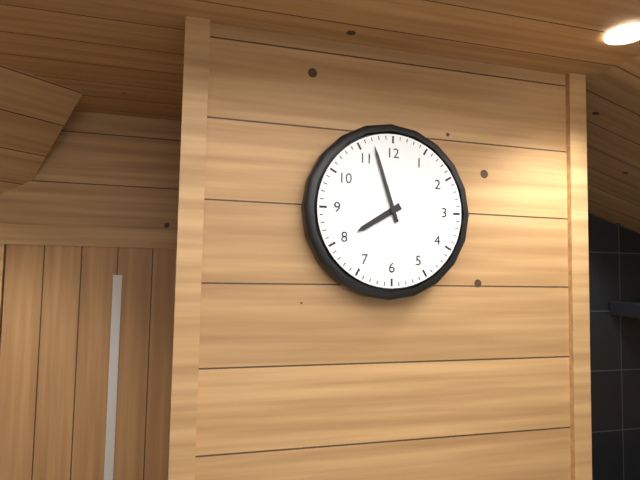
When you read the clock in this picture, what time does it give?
7:57
